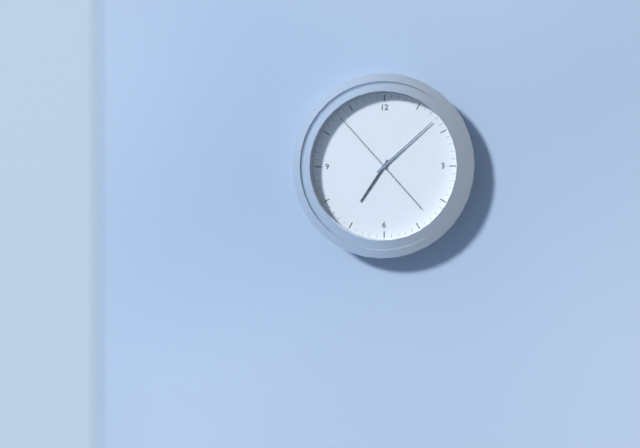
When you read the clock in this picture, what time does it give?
7:08:53
